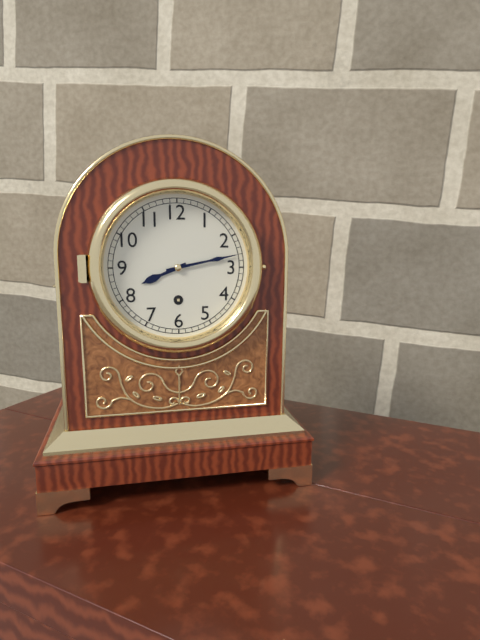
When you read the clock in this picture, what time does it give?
8:13
